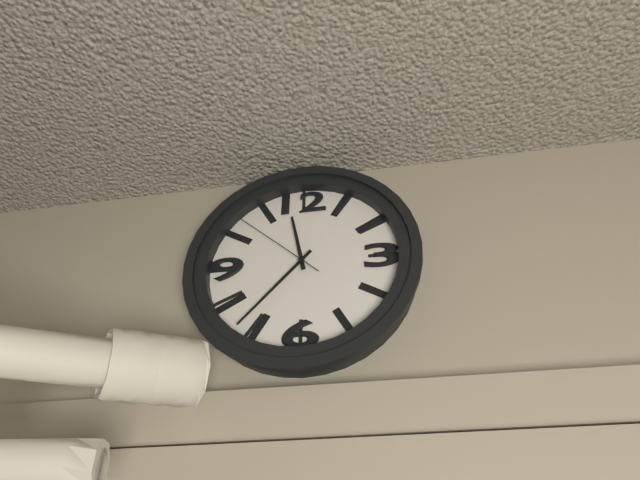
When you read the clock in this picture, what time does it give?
11:37:52
